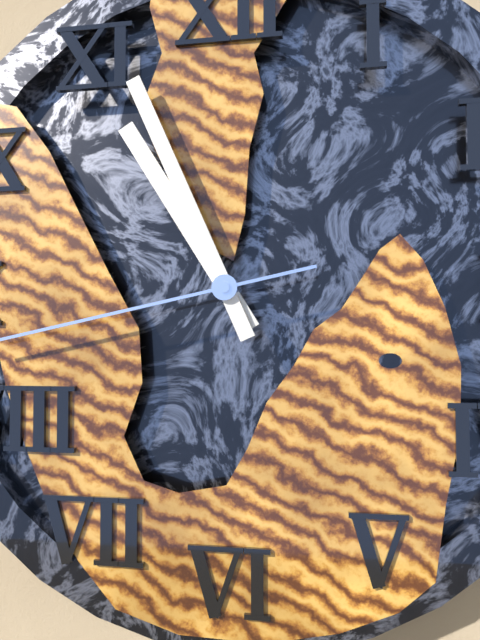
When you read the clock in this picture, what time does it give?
10:56
